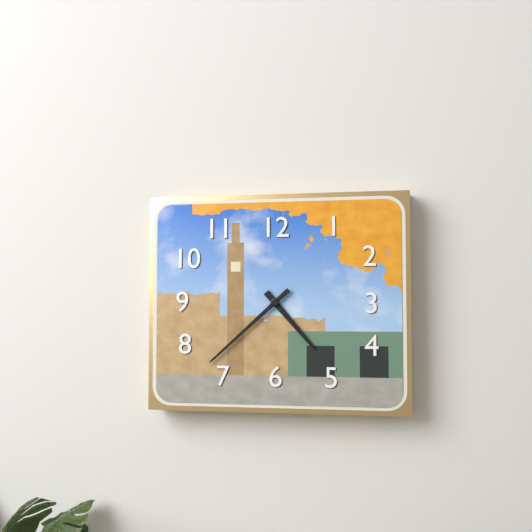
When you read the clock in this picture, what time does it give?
4:38
